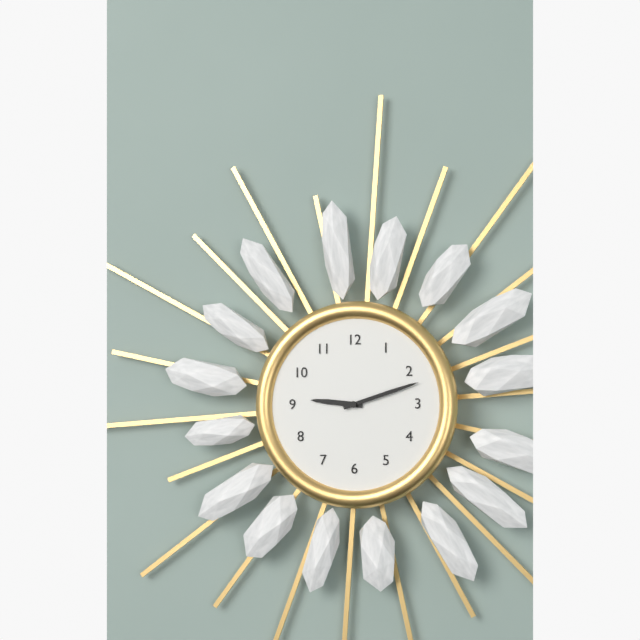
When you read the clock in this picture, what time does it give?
9:12
